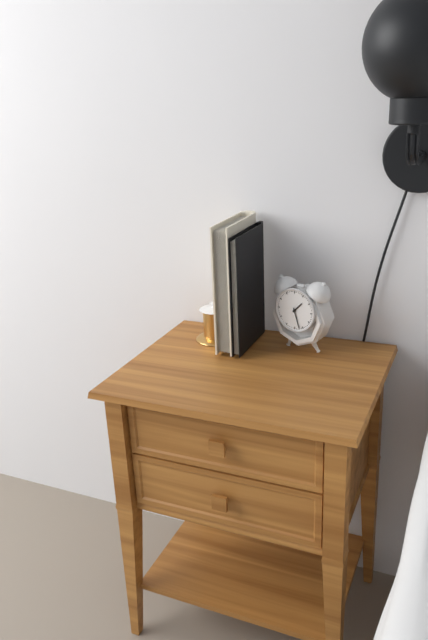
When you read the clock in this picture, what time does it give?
1:27
